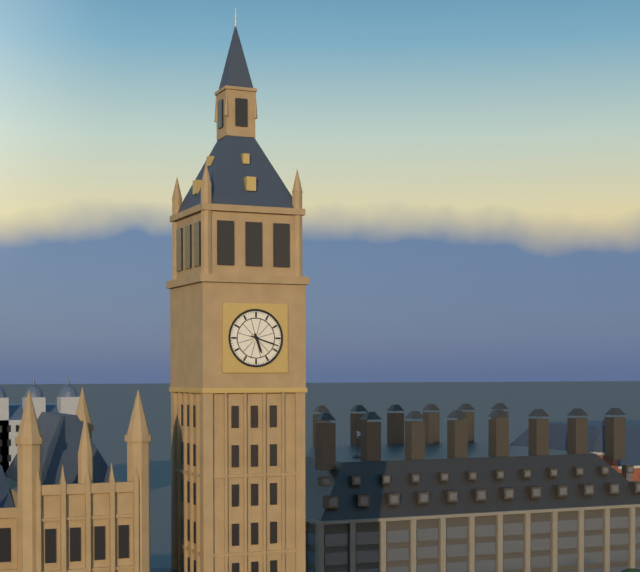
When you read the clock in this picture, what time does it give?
5:18
